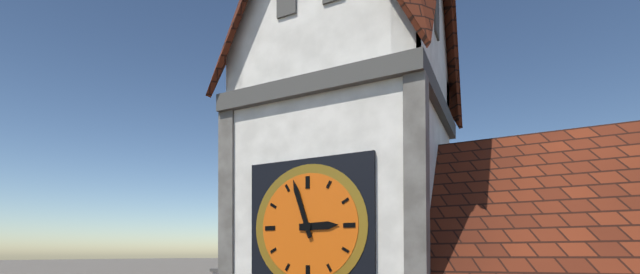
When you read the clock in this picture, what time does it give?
2:57
